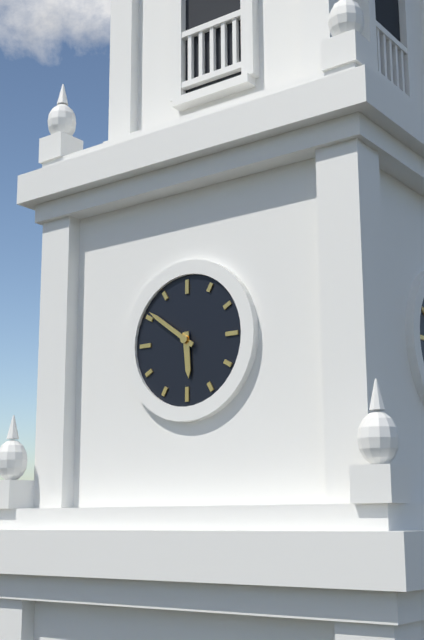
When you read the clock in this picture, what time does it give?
5:51
